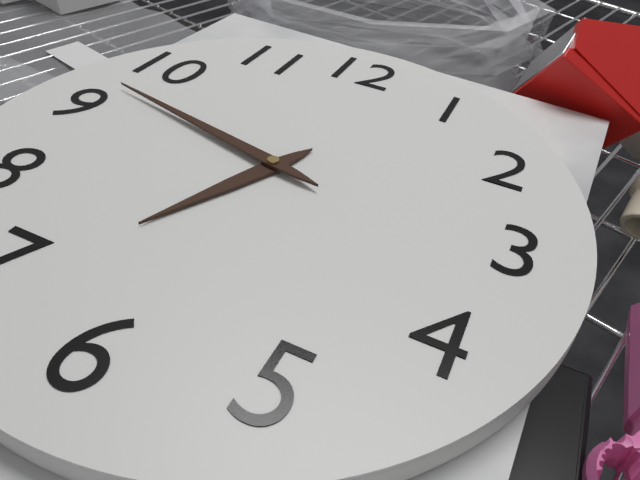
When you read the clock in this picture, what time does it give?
6:47
